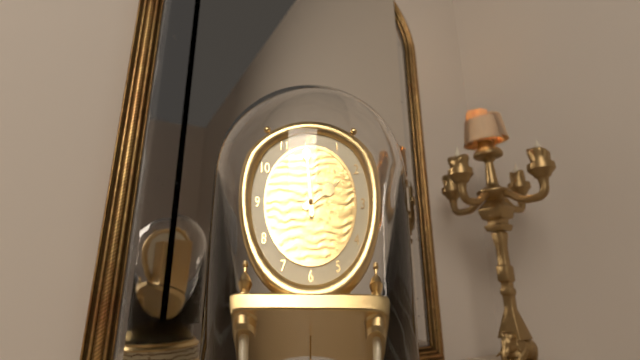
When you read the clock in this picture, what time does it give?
1:59
